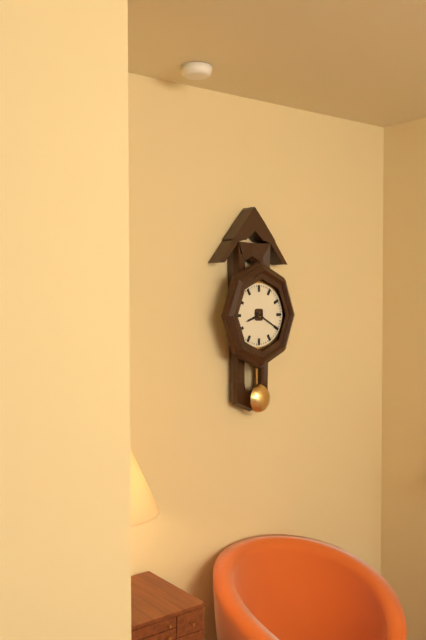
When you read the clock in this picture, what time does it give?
8:20
